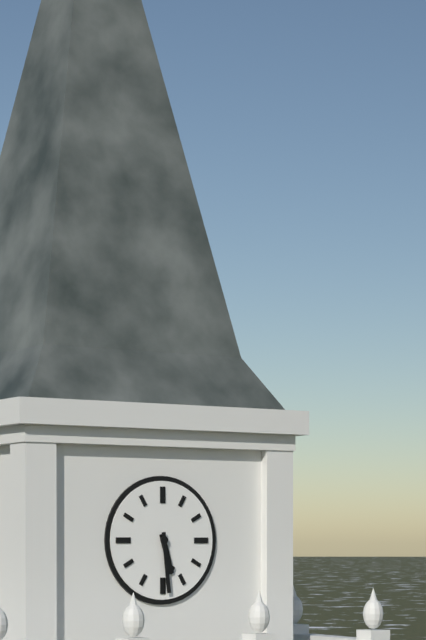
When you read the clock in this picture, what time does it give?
5:29
